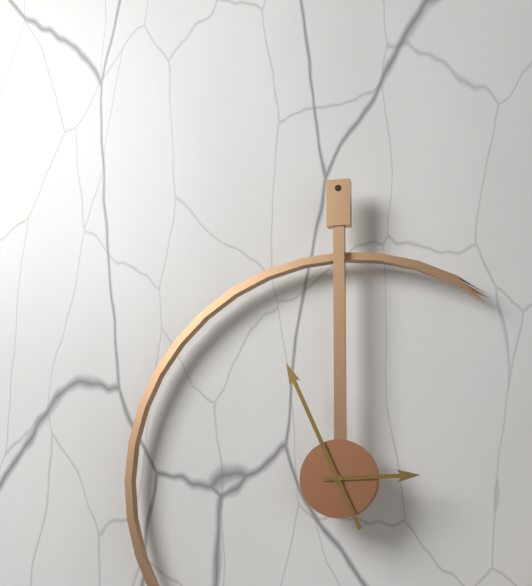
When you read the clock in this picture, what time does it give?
2:56
